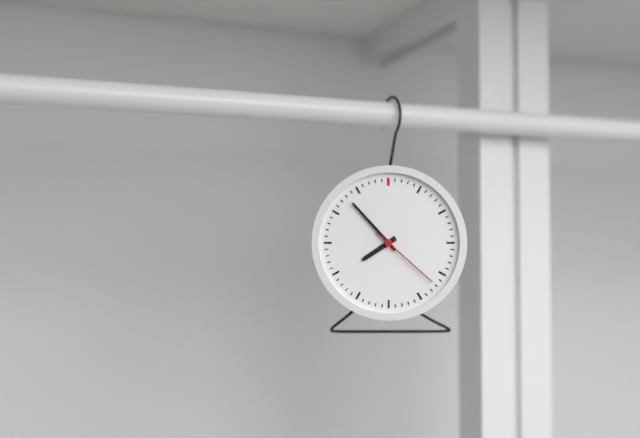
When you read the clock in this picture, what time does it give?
7:53:22
